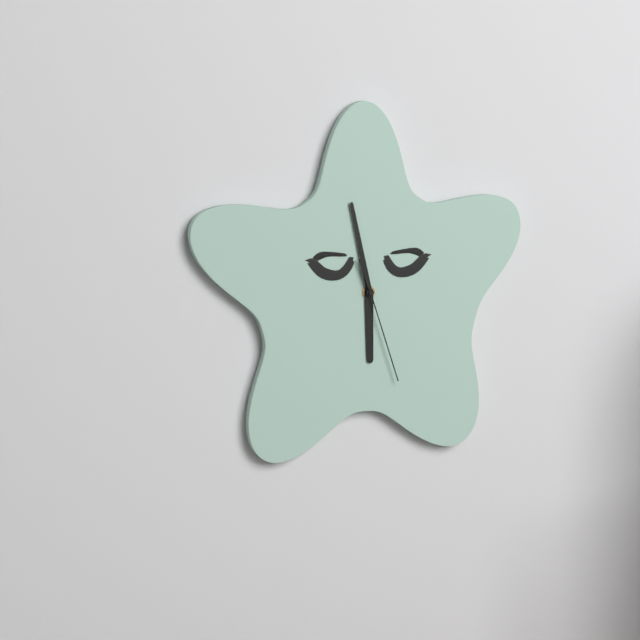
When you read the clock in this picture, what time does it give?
5:58:27
